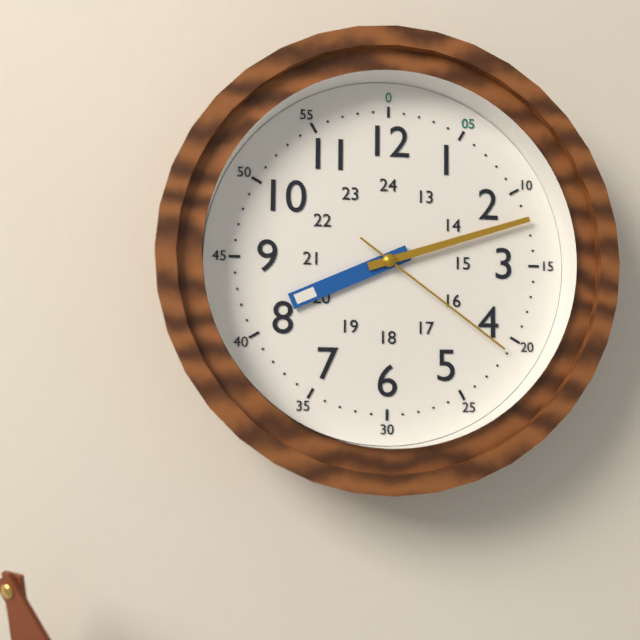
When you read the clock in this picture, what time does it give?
8:12:21
